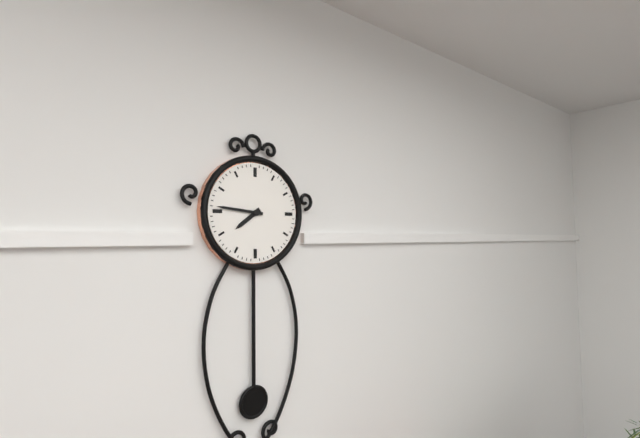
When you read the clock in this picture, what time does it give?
7:46
